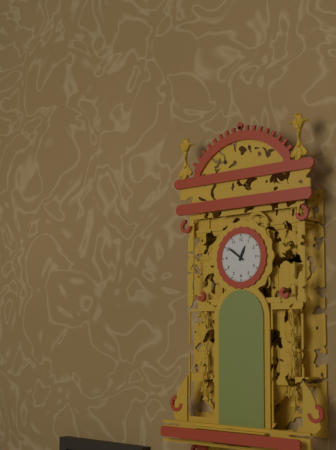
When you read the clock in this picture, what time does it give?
12:51
